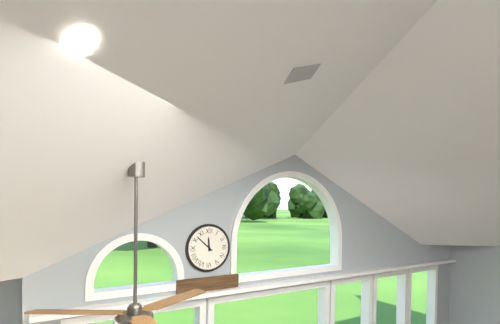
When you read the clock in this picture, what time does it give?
11:52
